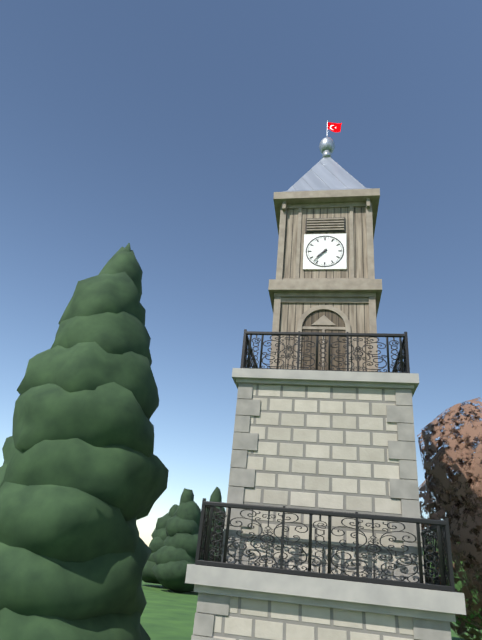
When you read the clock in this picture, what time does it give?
7:37
